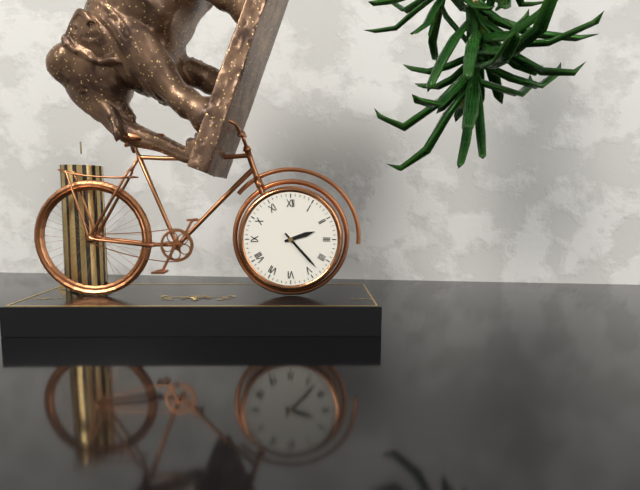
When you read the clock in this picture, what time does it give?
2:23
